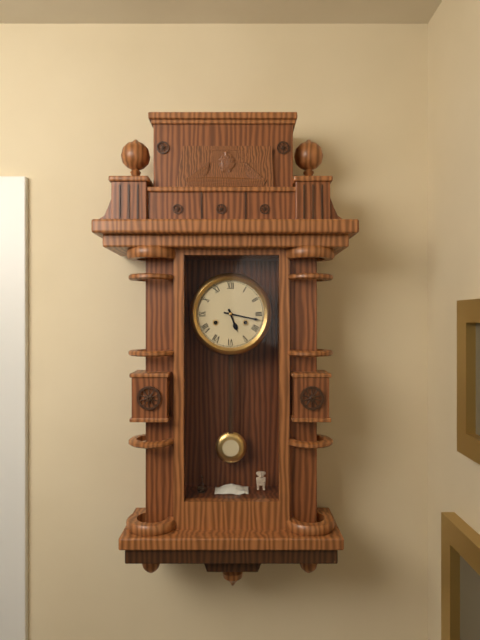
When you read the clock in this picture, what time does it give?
5:17
